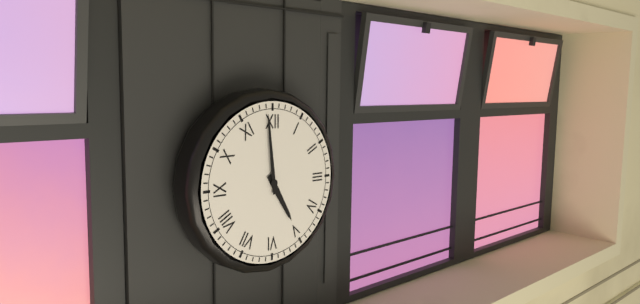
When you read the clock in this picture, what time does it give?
4:59
